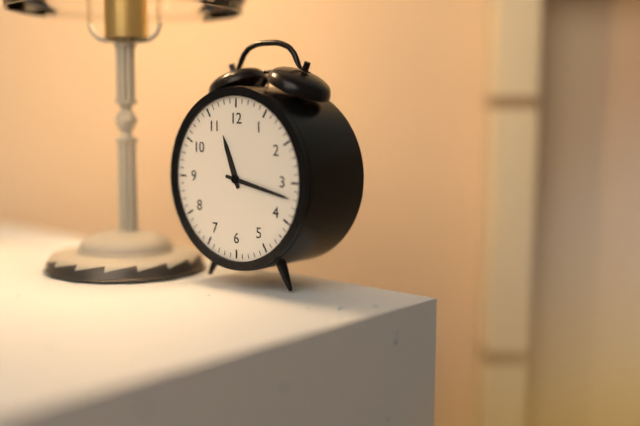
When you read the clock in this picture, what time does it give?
11:17
